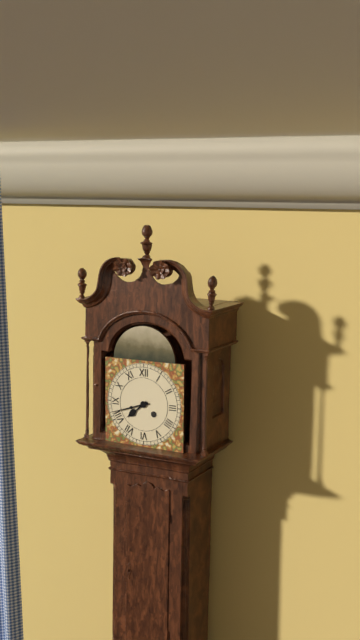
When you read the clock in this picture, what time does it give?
7:42
